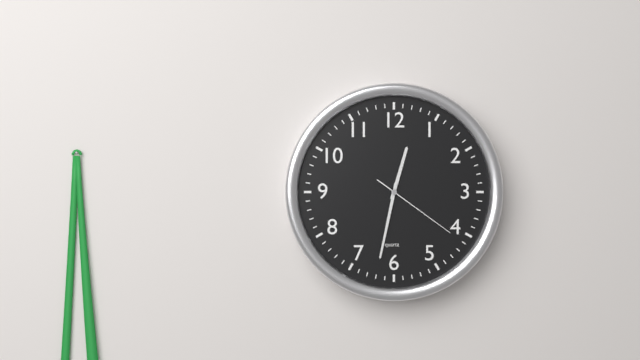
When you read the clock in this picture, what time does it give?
12:32:21
